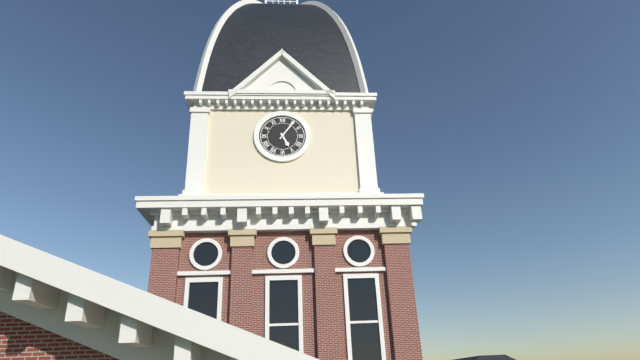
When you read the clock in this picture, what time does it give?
5:06
